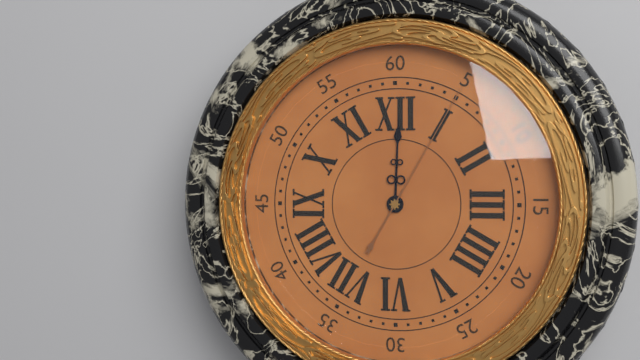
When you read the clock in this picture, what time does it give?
12:05
